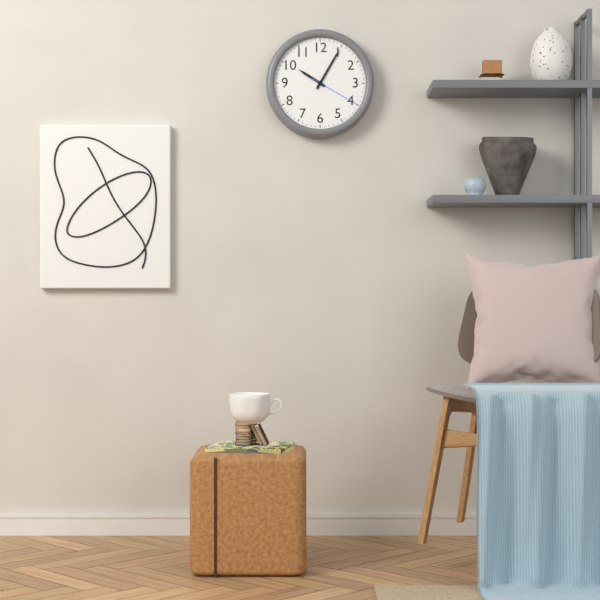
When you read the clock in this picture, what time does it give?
10:05:20
